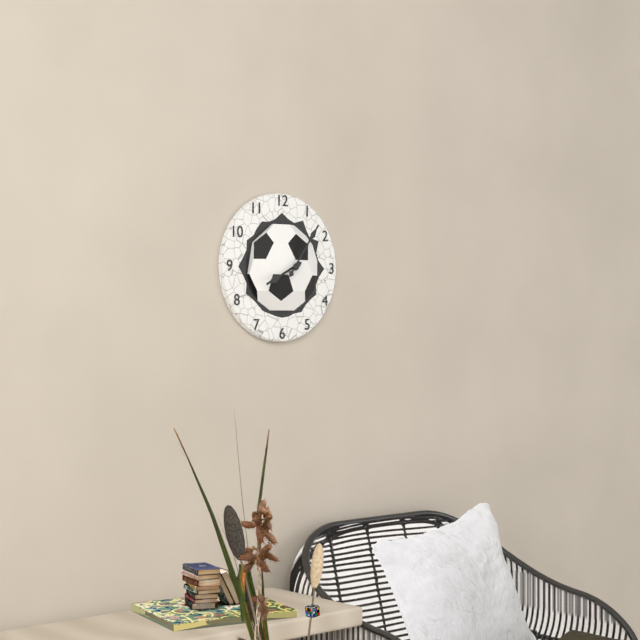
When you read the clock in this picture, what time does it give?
8:06
